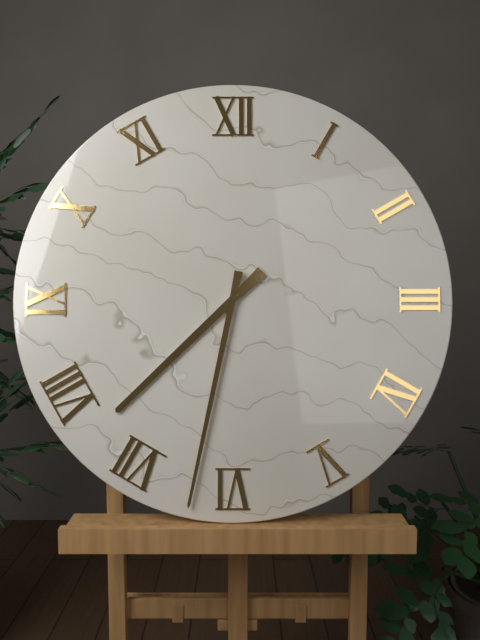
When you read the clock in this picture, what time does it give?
7:32
